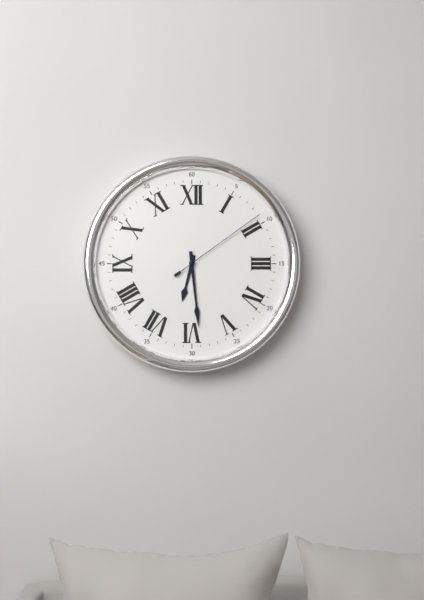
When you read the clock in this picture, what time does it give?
6:29:09
